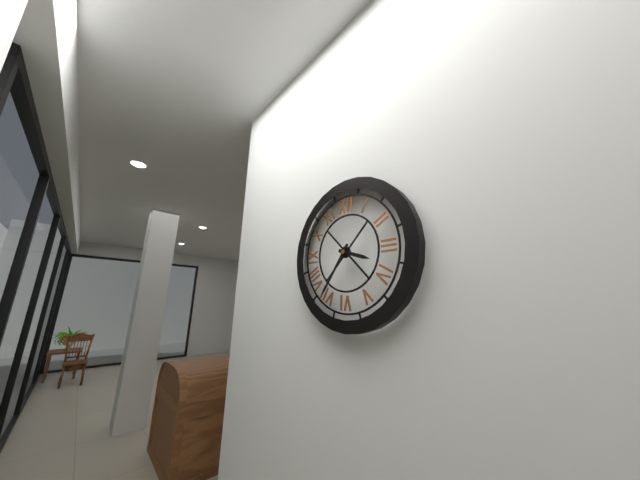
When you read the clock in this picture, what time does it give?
3:36
